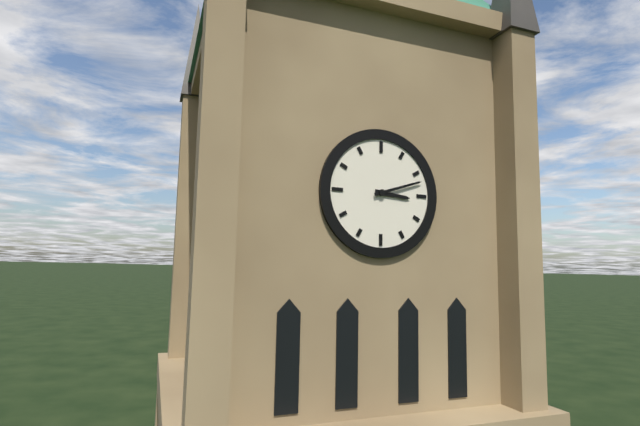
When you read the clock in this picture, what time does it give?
3:12
